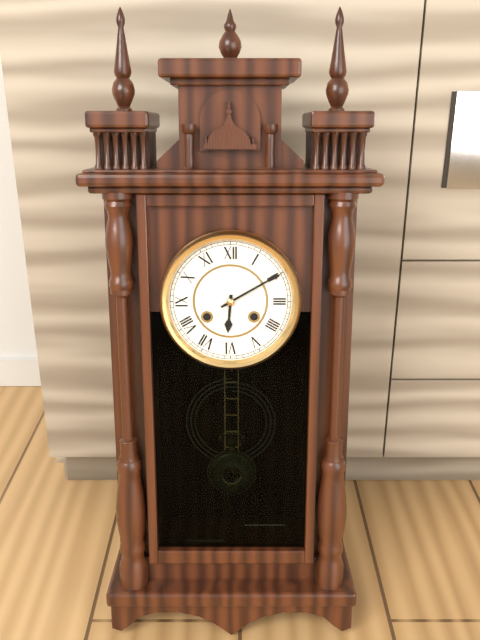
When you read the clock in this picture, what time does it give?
6:10
